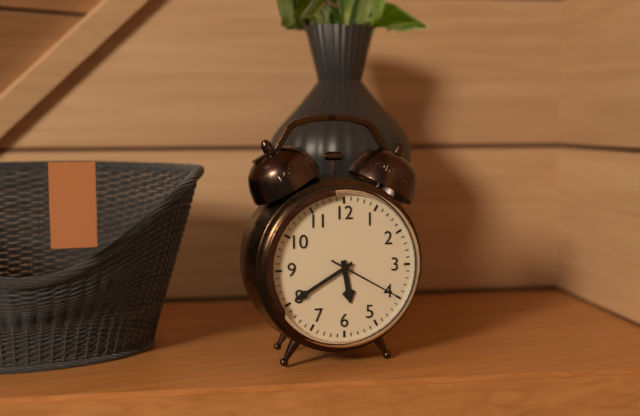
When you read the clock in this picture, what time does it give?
5:40:20
